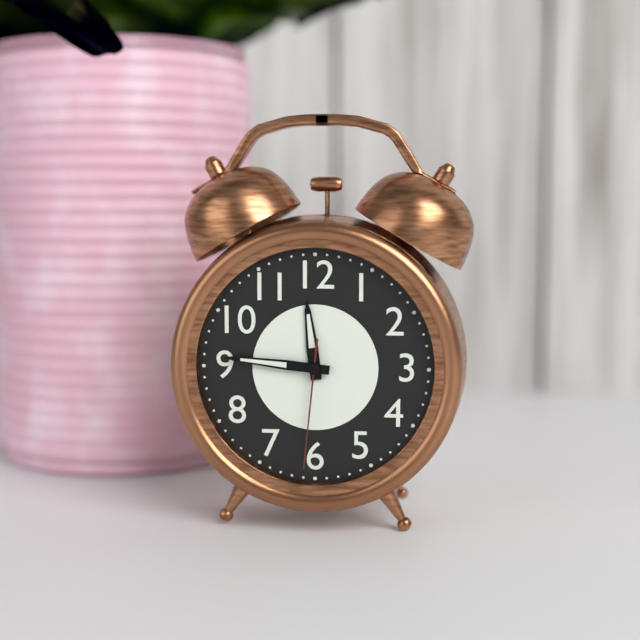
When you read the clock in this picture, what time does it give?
11:46:31
